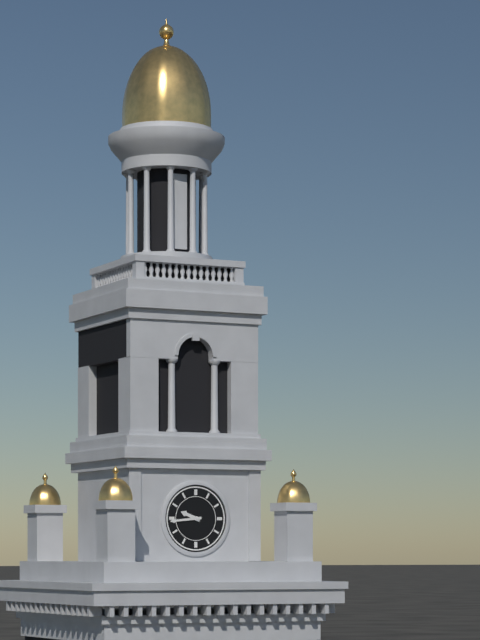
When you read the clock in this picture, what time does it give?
9:44
